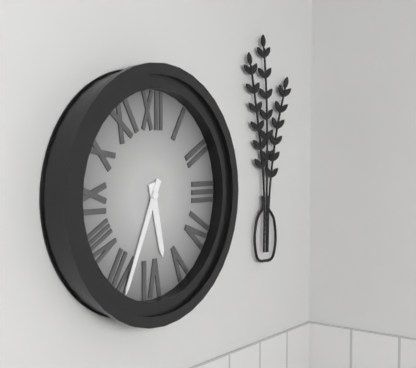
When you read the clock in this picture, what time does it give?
5:34
